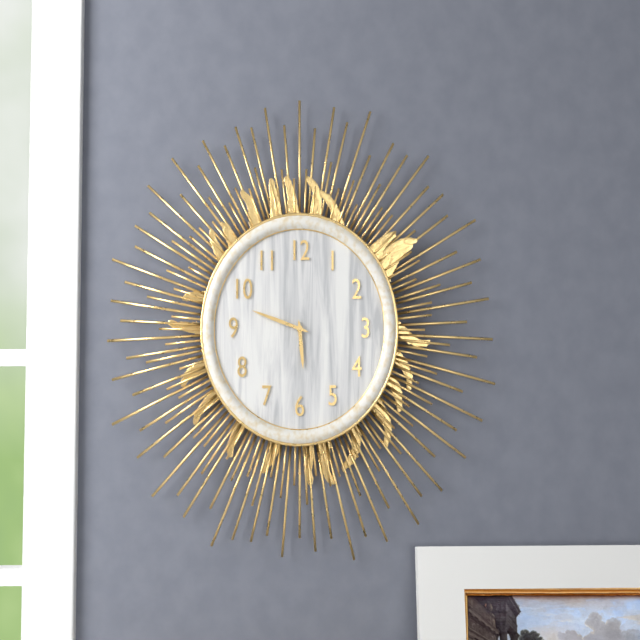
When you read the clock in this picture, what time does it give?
5:48
